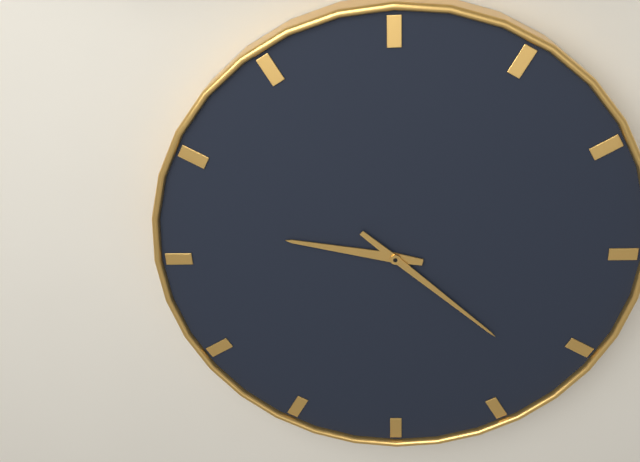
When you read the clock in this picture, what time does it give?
9:22
